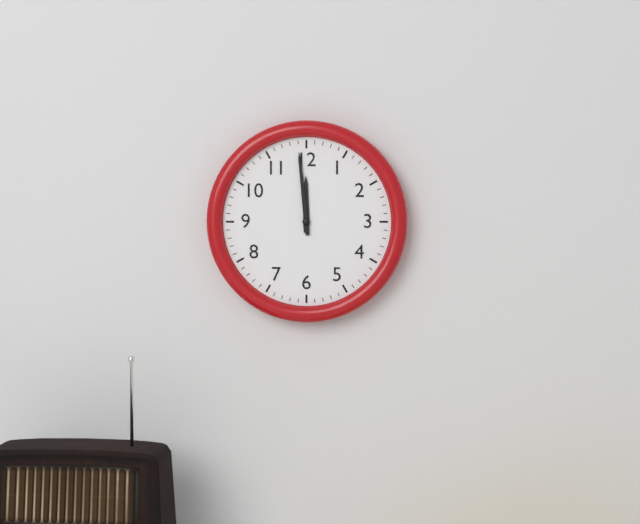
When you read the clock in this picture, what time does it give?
11:59
